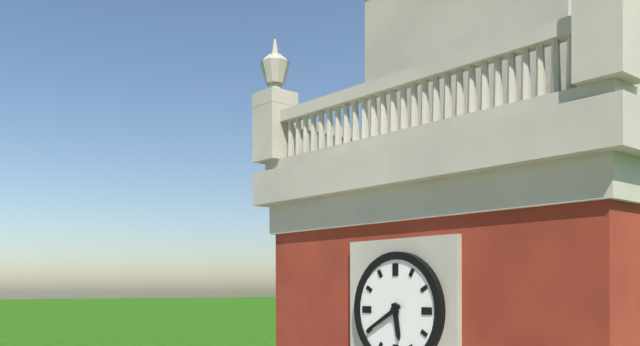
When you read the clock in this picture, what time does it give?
5:40
